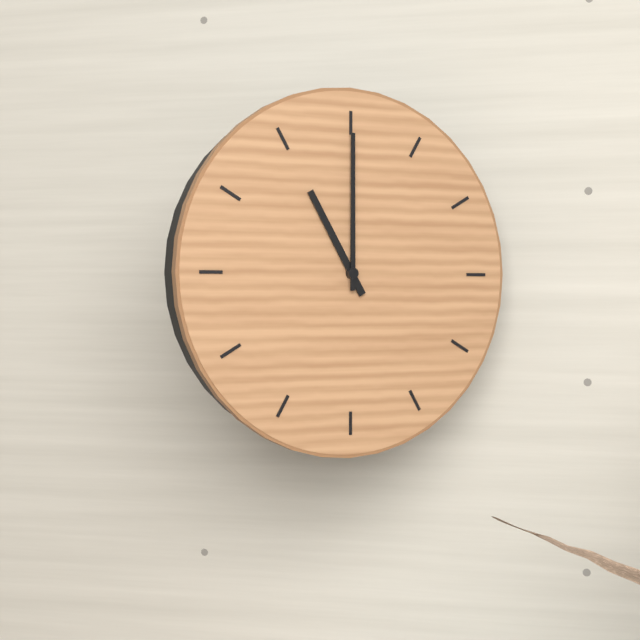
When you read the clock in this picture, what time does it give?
11:00
